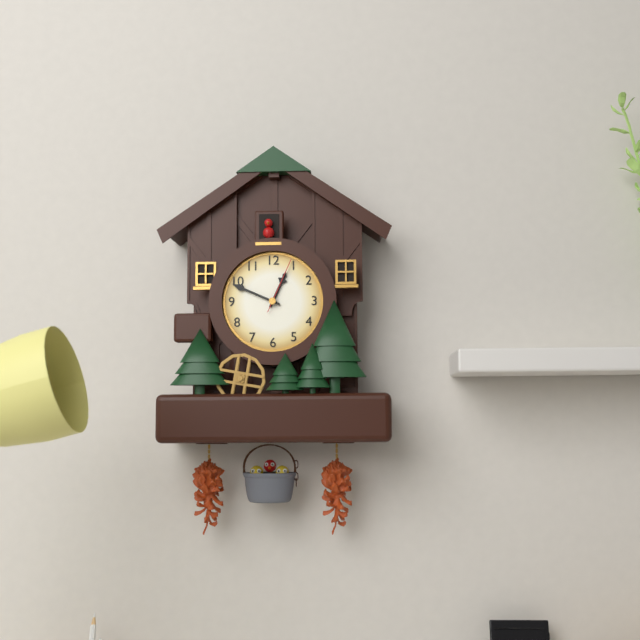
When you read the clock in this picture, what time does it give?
12:49:04
